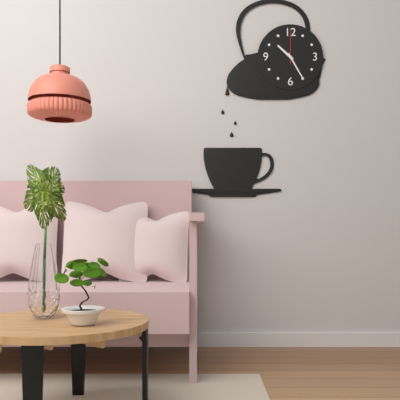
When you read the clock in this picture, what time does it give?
10:25
